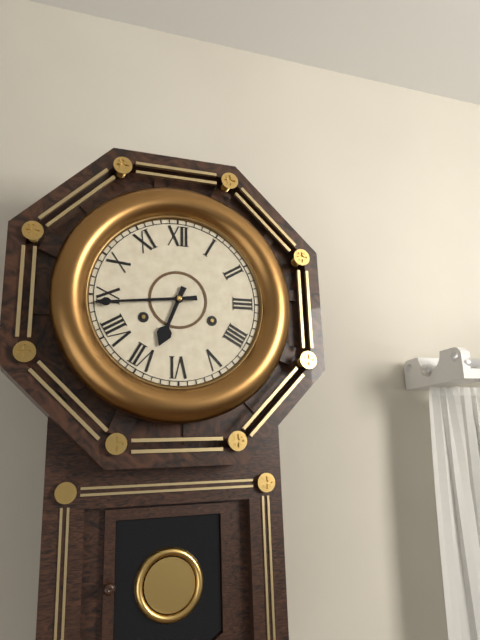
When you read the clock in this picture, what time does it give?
6:44
